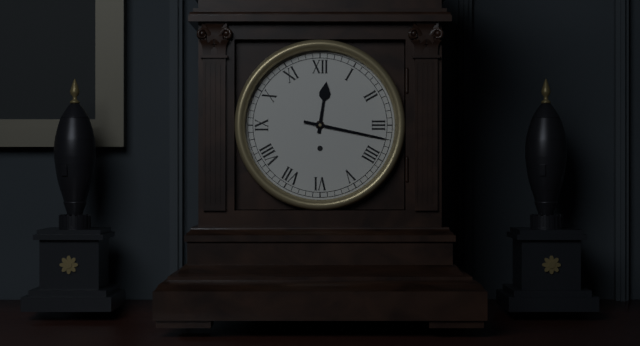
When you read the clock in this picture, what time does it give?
12:17
